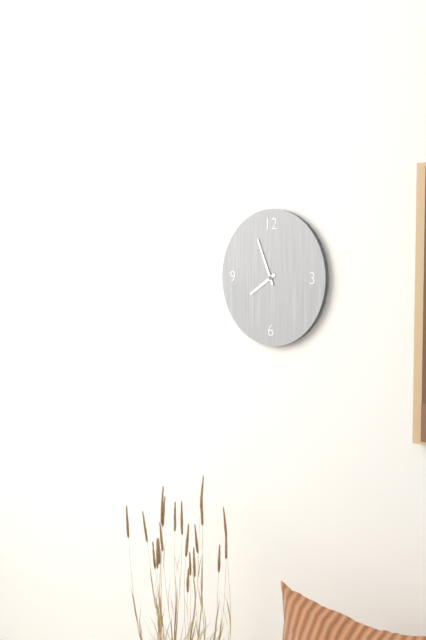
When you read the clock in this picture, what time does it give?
7:56
